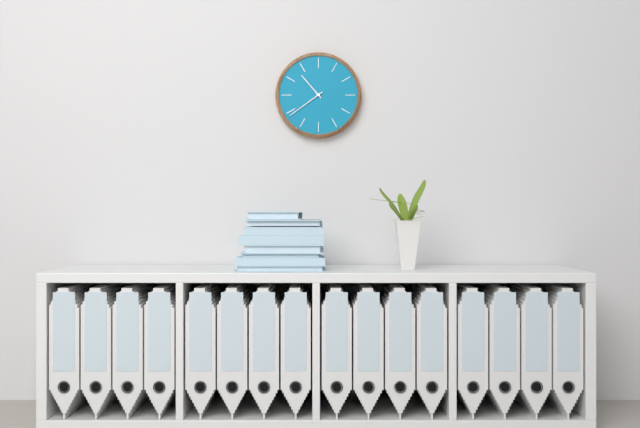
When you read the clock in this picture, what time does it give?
10:39
